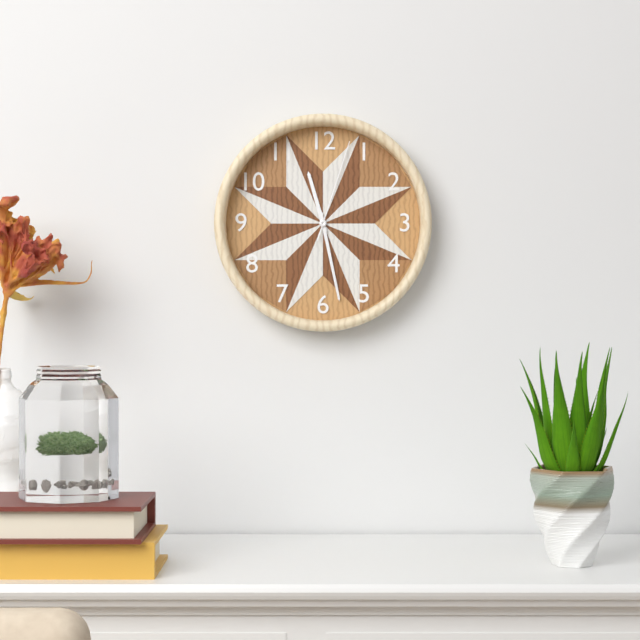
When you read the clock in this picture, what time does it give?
11:28:03
